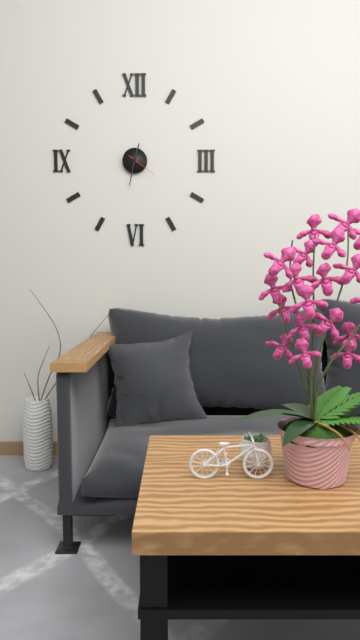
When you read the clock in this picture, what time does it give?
12:32
